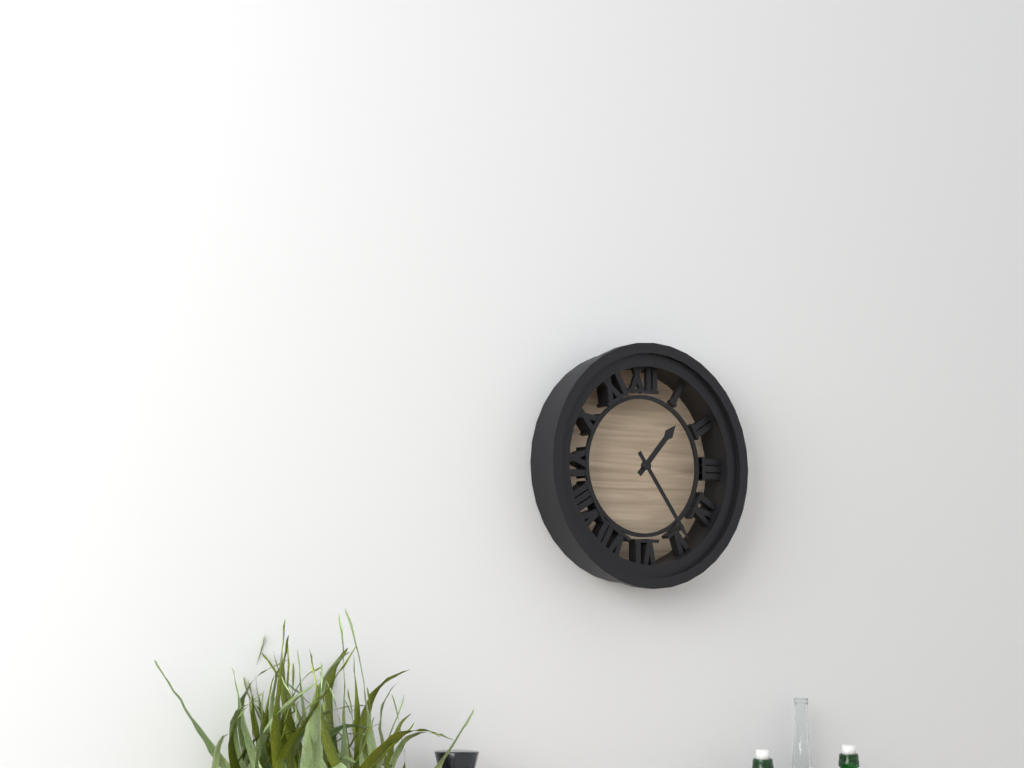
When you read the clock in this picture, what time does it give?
1:24
